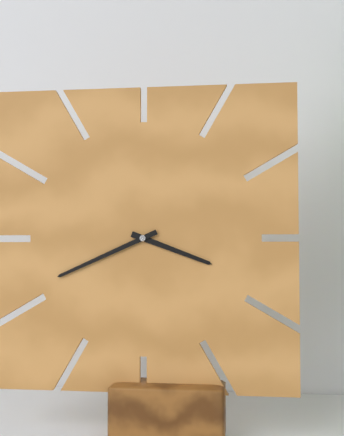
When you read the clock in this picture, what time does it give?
3:41
